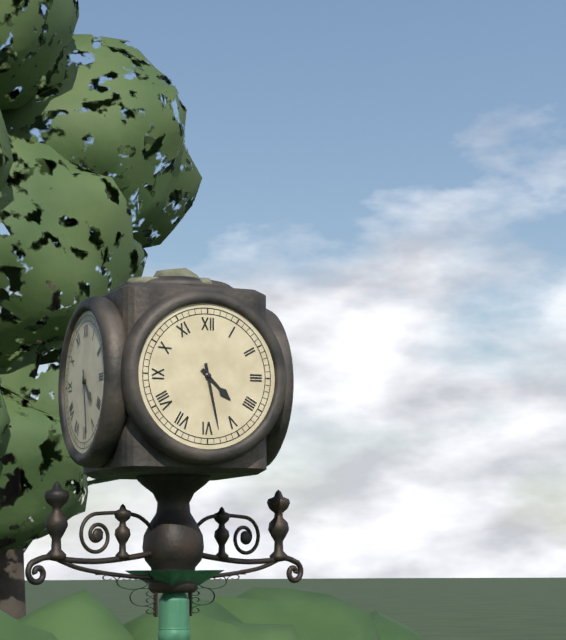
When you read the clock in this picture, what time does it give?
4:28
